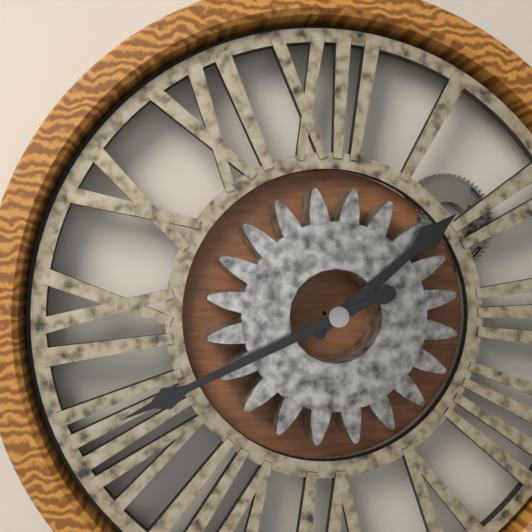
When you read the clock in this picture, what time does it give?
1:41
